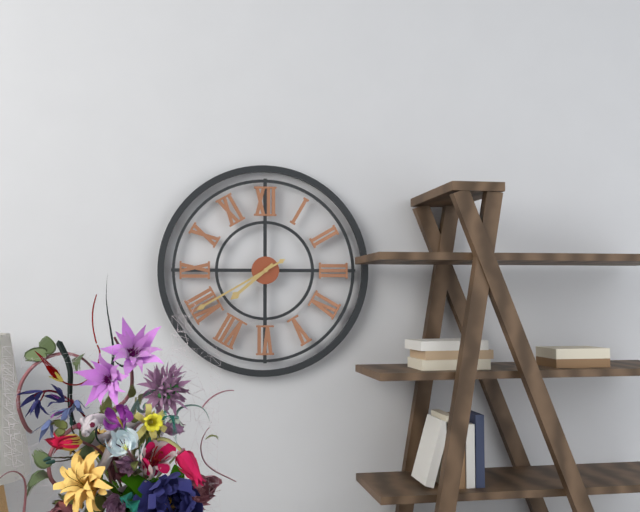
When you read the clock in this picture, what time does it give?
7:40
